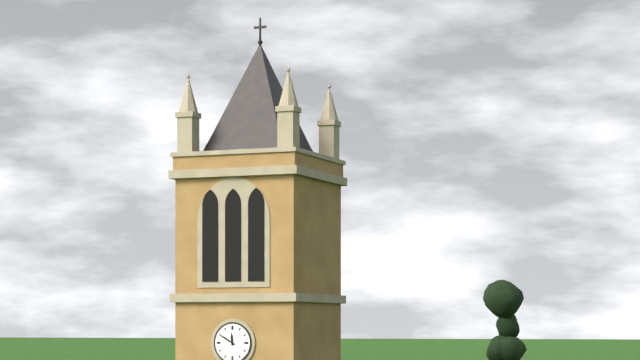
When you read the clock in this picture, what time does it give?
11:50
